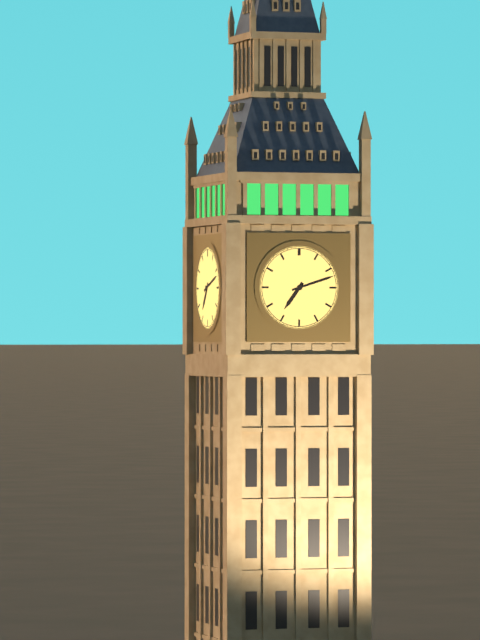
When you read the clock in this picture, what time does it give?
7:12
